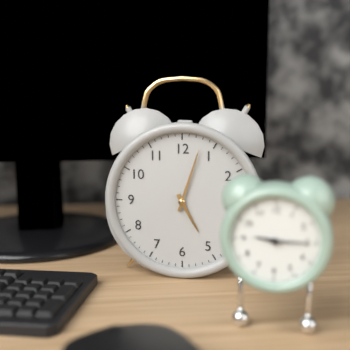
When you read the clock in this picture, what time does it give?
5:03
